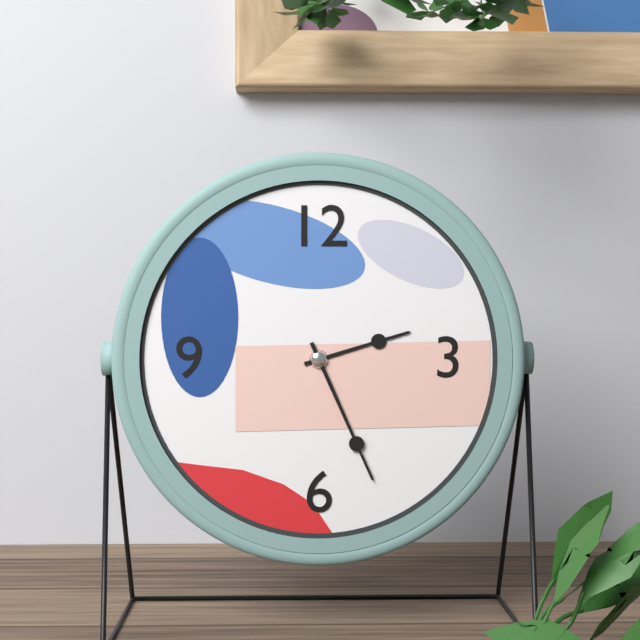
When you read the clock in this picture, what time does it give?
2:26
